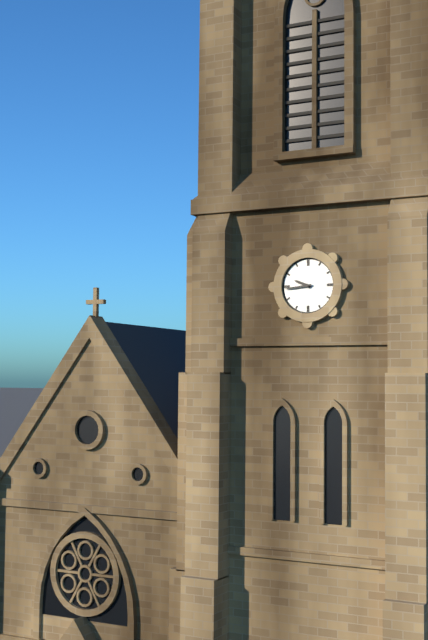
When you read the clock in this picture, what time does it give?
9:44
